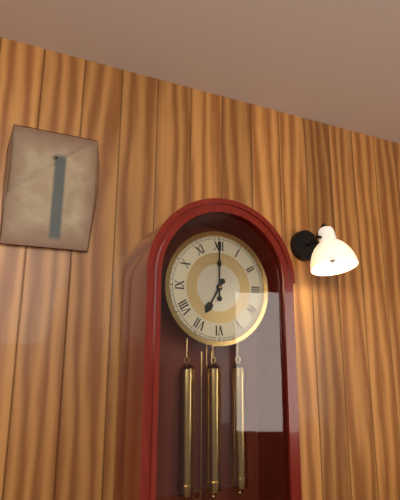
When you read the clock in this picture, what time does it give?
7:00
